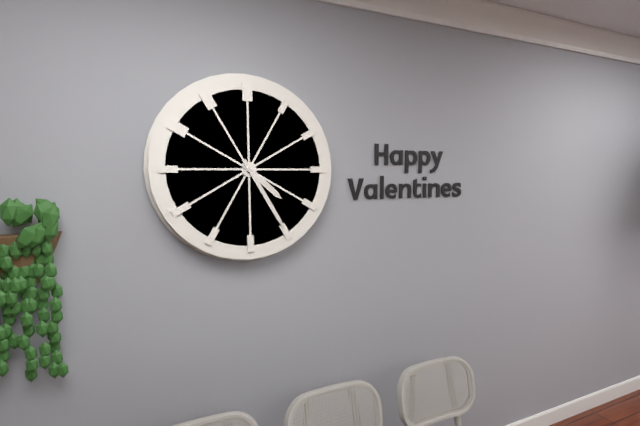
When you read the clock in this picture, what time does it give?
4:25
